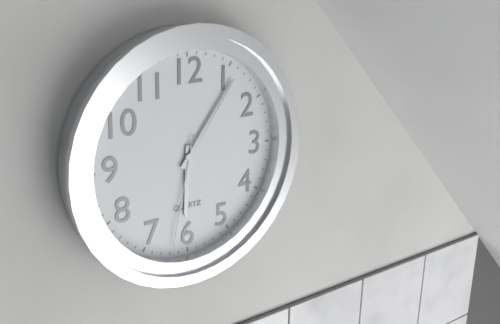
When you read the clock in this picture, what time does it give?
6:06:32
